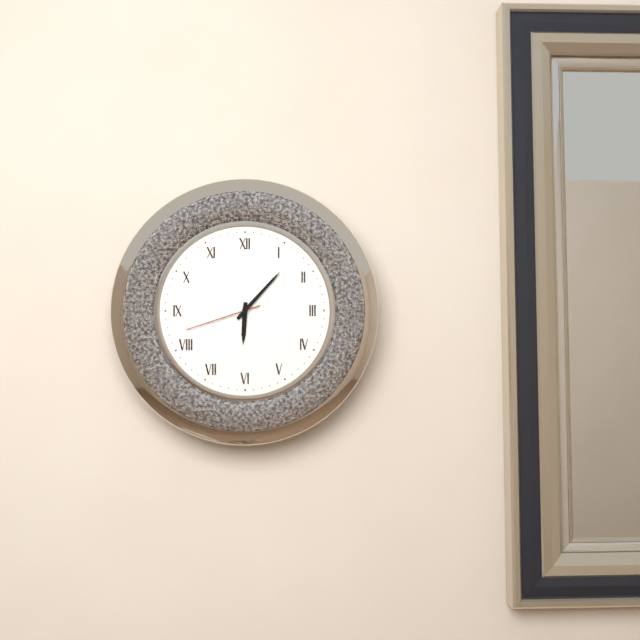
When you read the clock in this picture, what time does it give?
6:07:42
